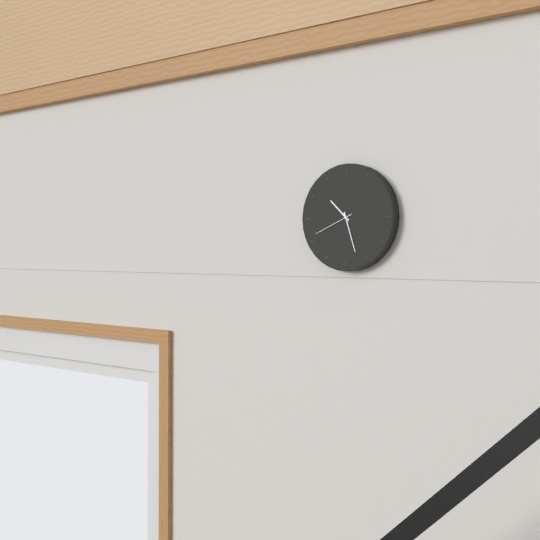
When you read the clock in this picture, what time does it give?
10:27
